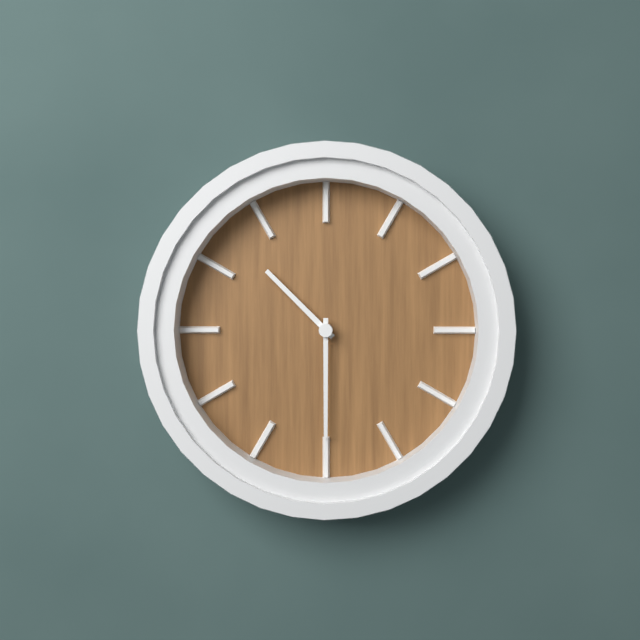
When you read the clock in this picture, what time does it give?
10:30
